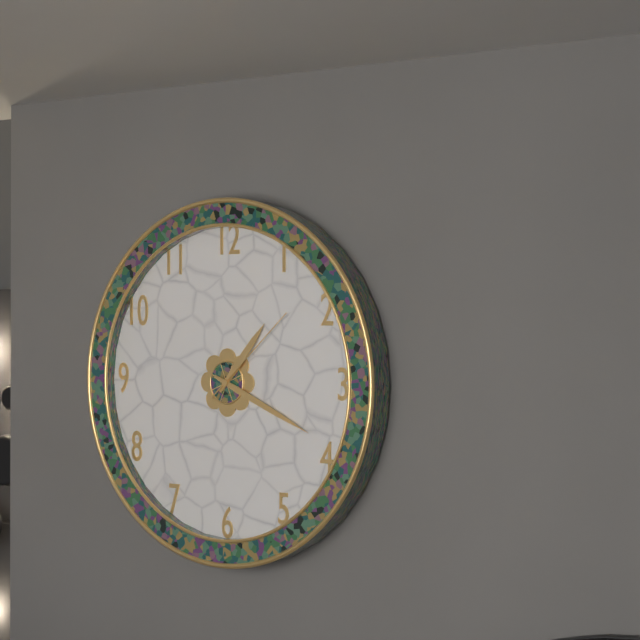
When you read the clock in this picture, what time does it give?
1:19:08
